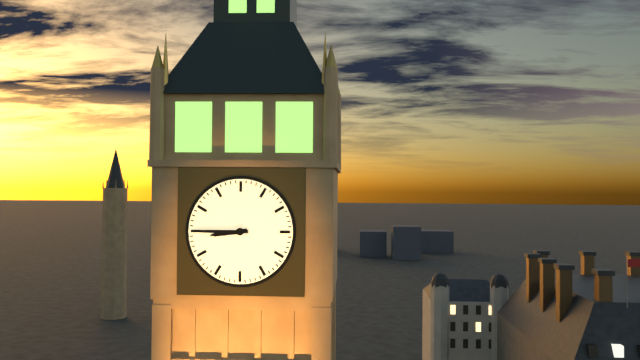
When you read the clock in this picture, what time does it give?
8:45
